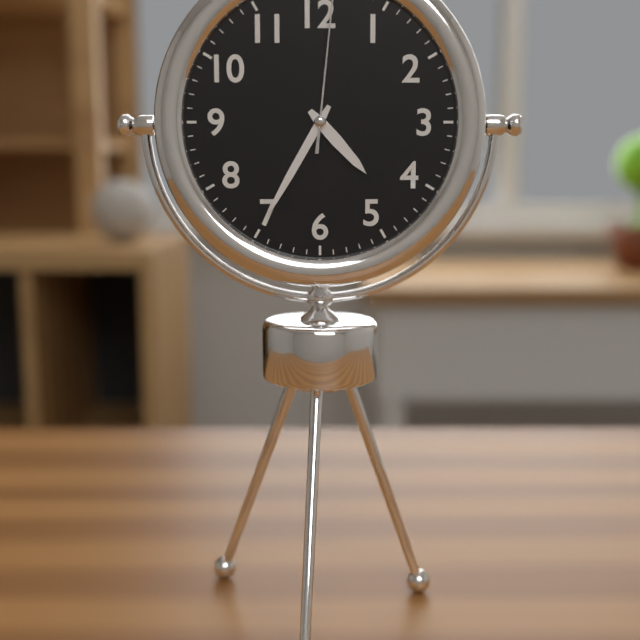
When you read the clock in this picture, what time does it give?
4:35
